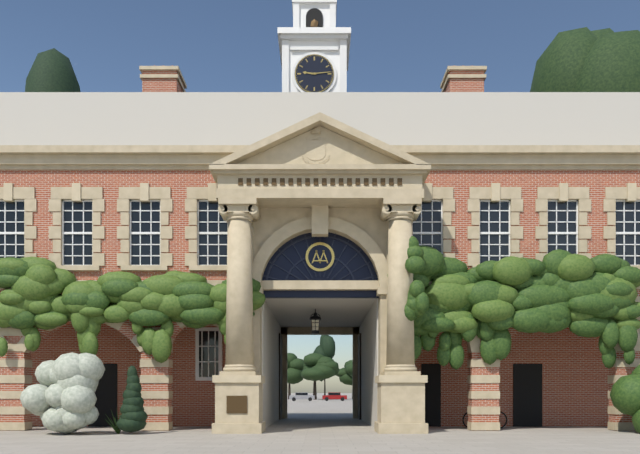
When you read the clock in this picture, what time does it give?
9:14
